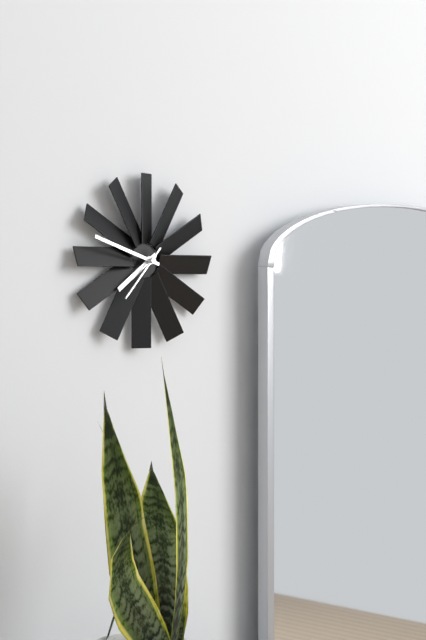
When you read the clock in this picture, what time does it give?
7:48:37
